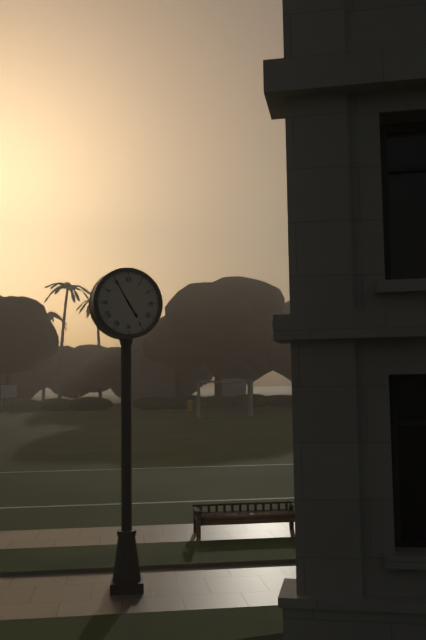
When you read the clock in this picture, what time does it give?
4:55
